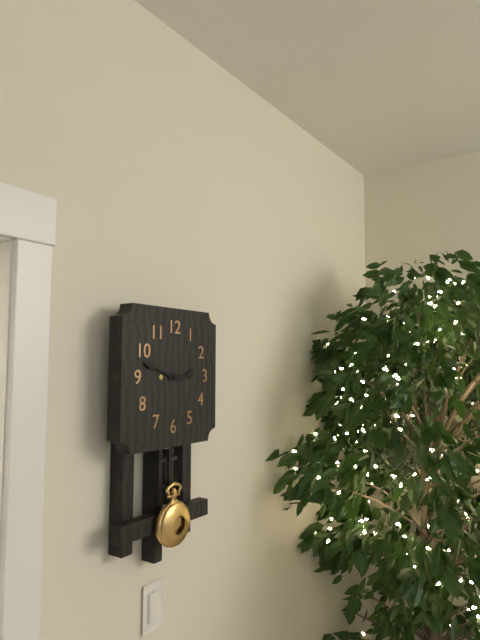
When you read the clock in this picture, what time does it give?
2:48
